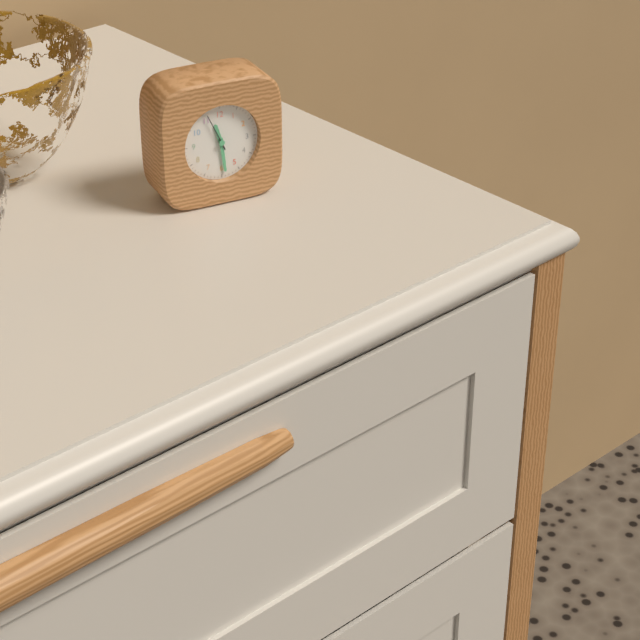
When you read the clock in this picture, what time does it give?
11:29
